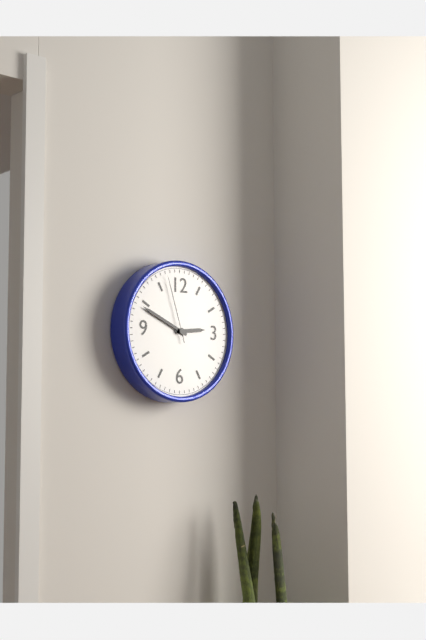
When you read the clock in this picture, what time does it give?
2:49:57
